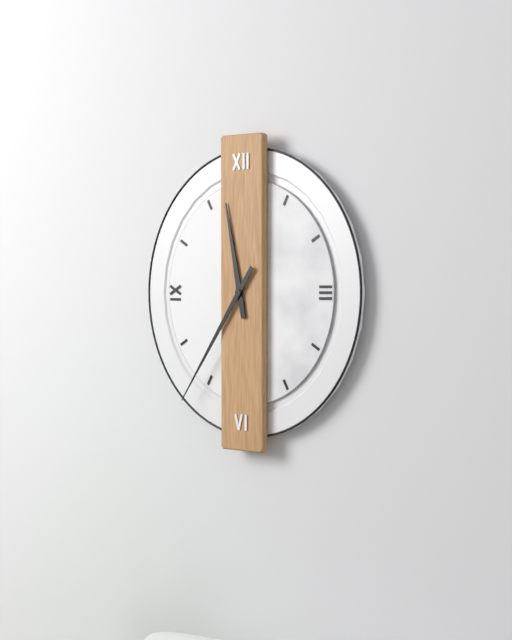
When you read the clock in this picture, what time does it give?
11:36
